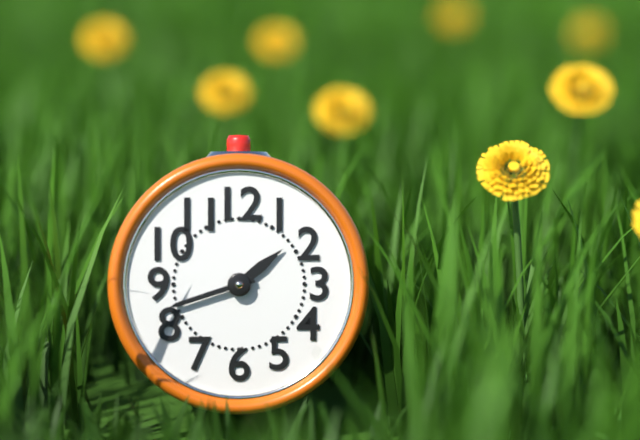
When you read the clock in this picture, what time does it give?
1:42
